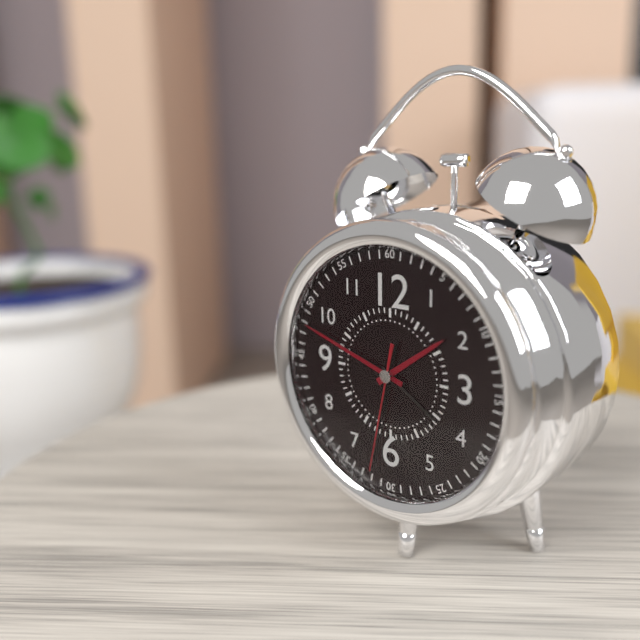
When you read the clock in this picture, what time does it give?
1:48:32
